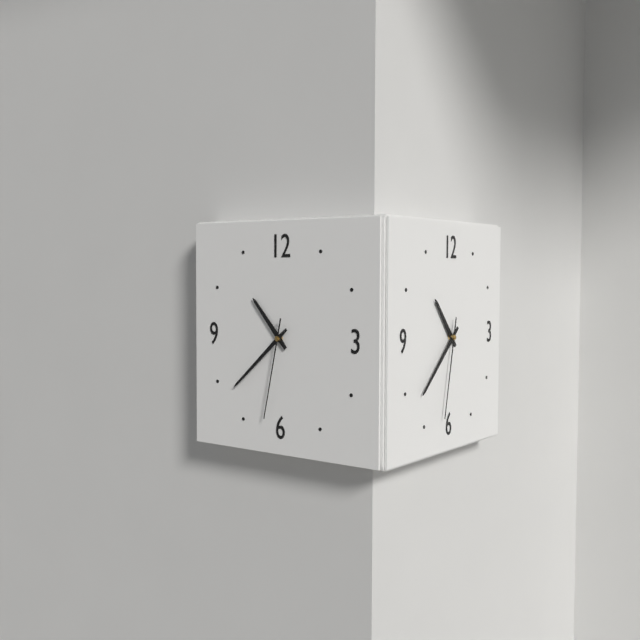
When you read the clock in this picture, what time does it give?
10:38:32
